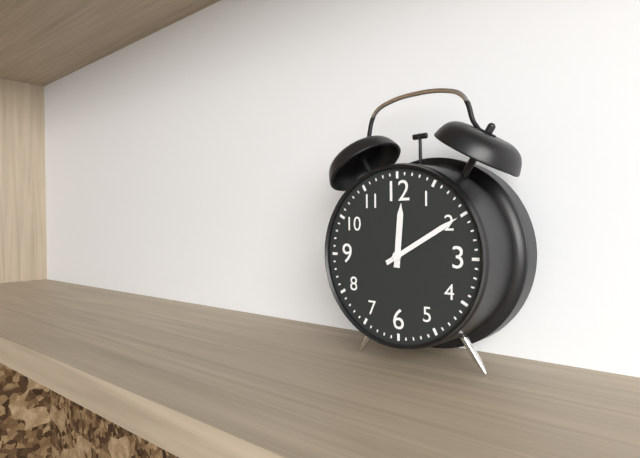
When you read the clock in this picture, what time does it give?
12:10
